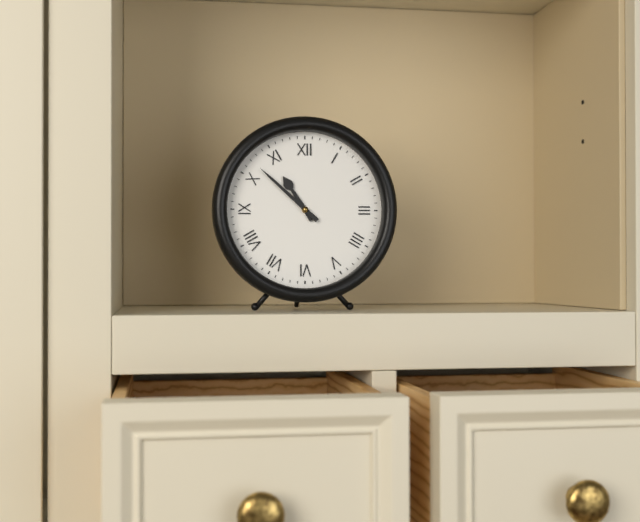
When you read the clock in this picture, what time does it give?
10:52
